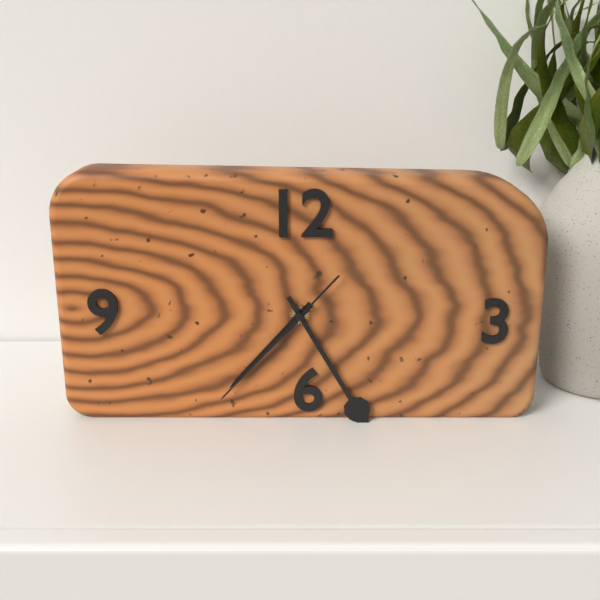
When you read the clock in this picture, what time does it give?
7:25:37
